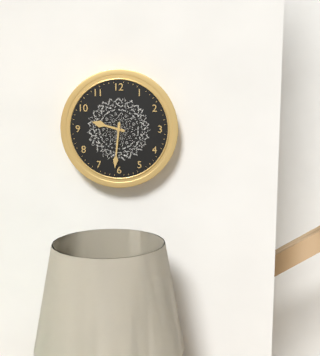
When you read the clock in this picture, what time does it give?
9:31
